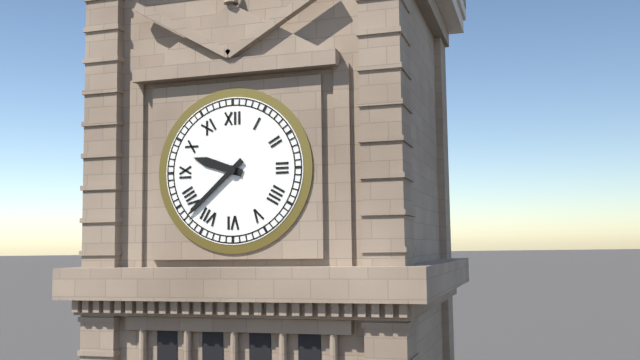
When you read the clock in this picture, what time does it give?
9:38
